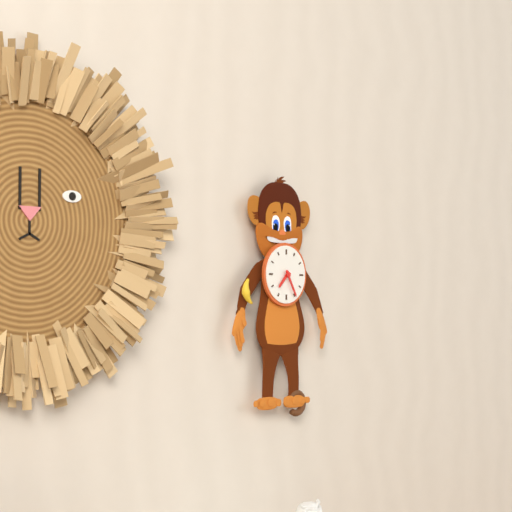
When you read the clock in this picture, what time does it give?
7:25
